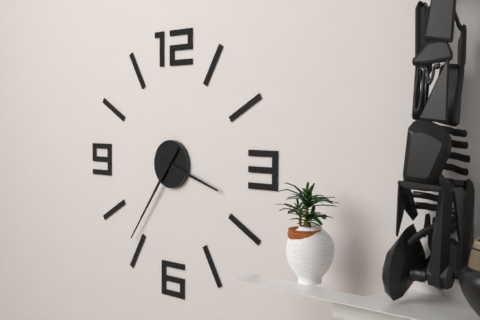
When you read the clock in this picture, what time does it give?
3:36
